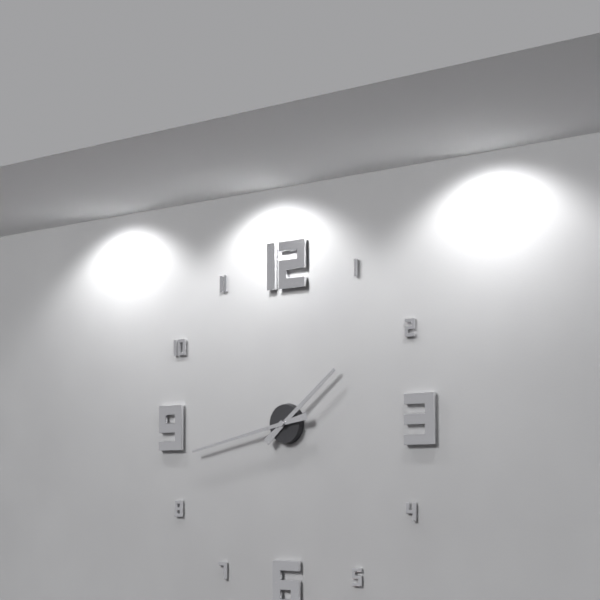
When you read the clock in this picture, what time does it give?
1:43
